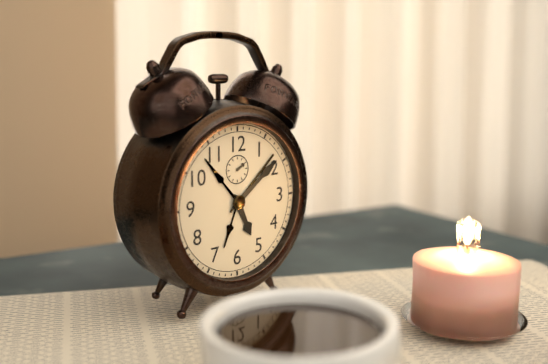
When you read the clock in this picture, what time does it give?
5:09
